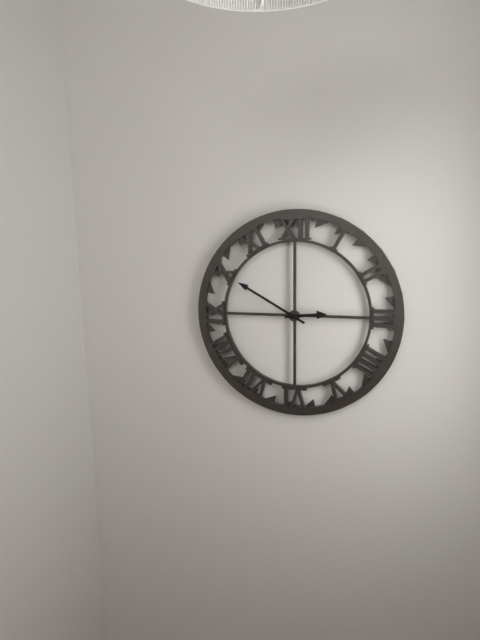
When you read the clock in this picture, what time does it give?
2:50
